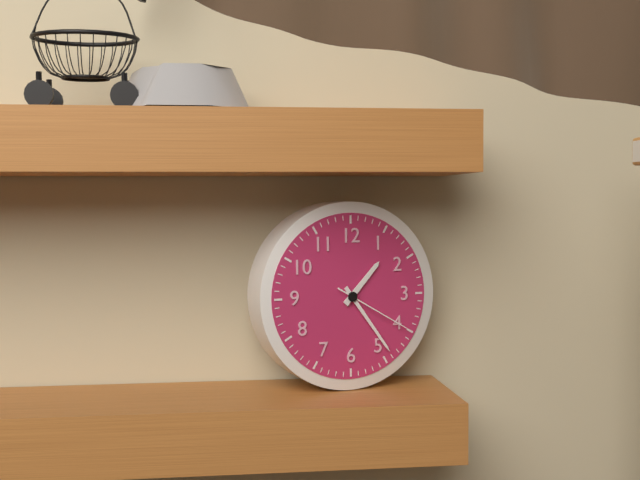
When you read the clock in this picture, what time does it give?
1:24:20
